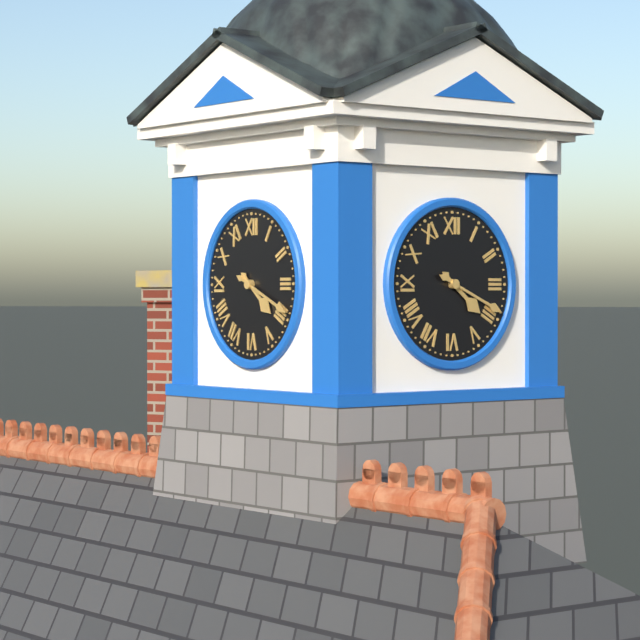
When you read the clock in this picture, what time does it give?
4:19
